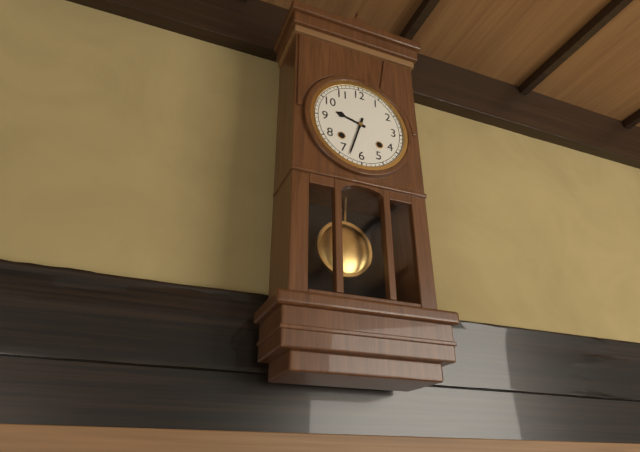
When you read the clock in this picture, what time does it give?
9:33
